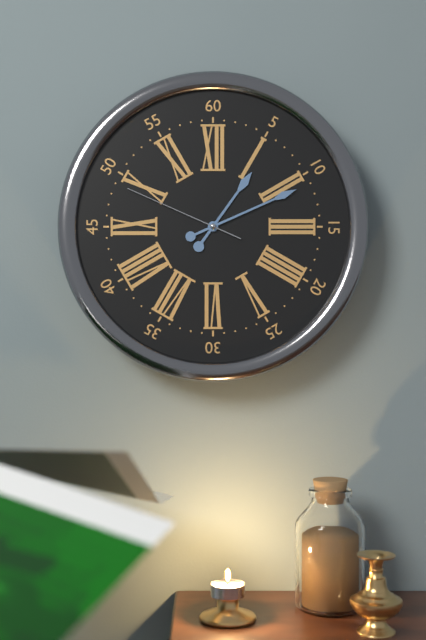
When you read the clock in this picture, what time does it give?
1:11:49
